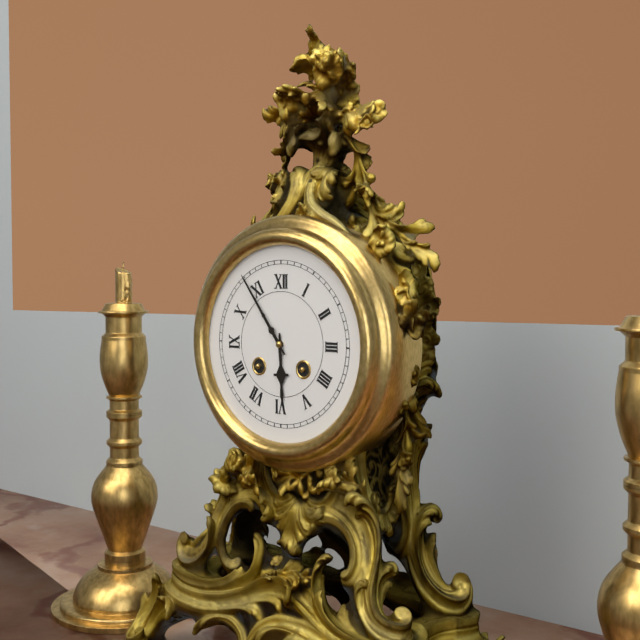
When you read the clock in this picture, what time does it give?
5:54
